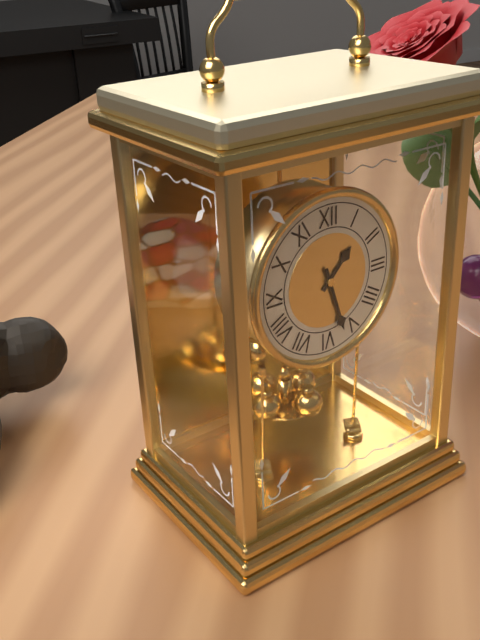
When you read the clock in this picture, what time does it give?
1:27
